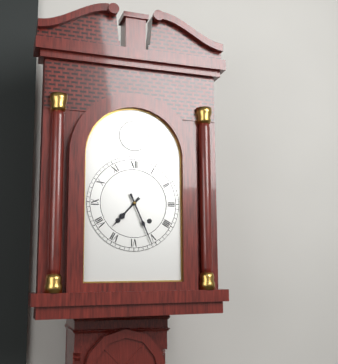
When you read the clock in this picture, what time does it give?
7:26
